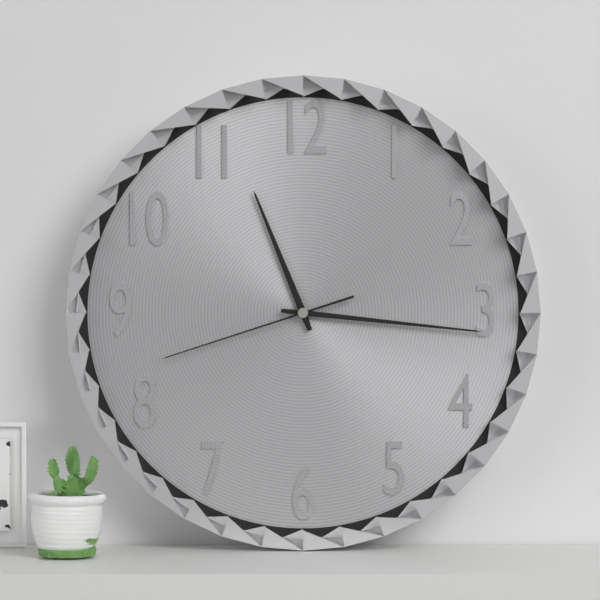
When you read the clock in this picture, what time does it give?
11:16:42
